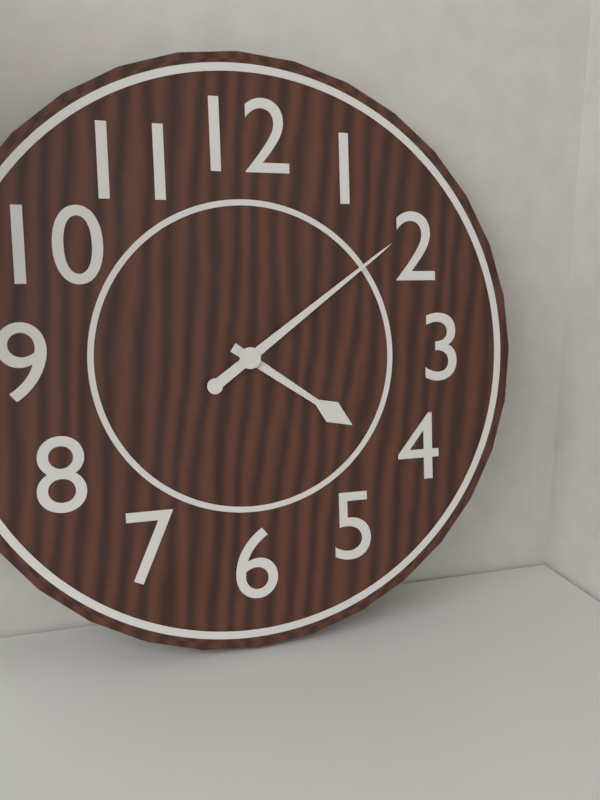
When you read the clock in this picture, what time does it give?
4:09
